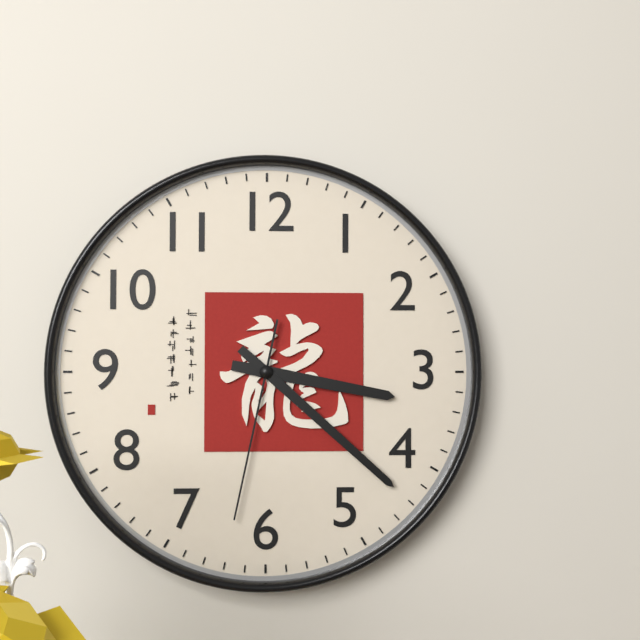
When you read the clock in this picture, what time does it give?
3:22:32
